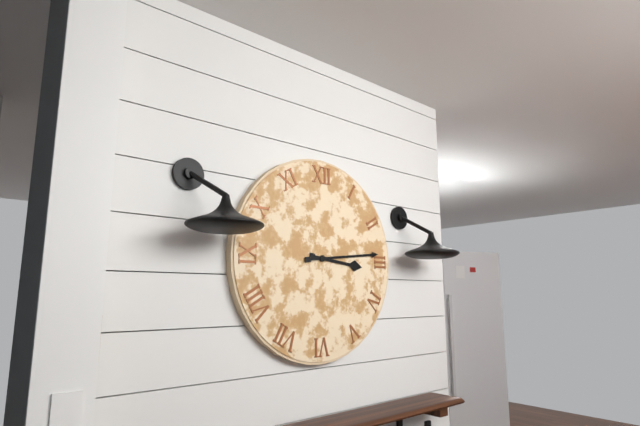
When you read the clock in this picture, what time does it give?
3:14
